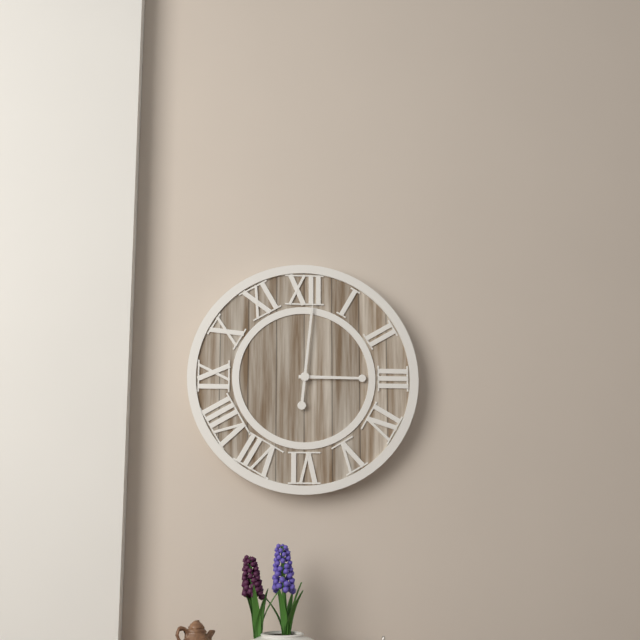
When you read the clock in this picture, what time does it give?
3:01
